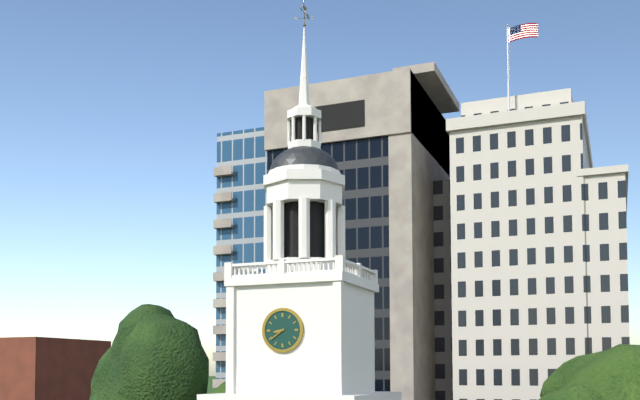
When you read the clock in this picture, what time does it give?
8:39
